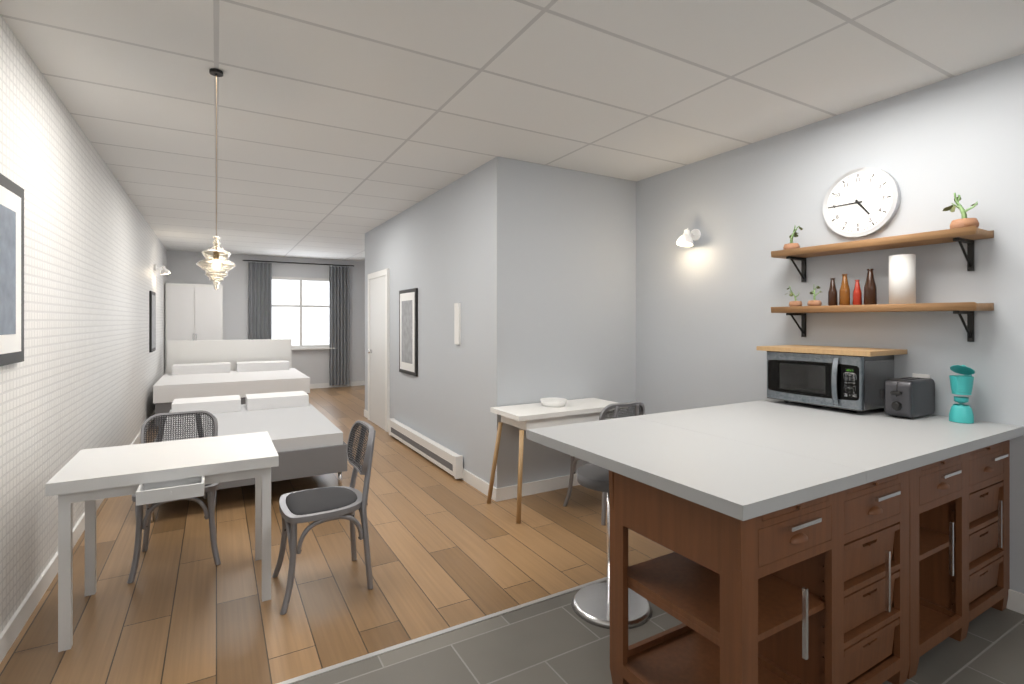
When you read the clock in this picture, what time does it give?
4:45
